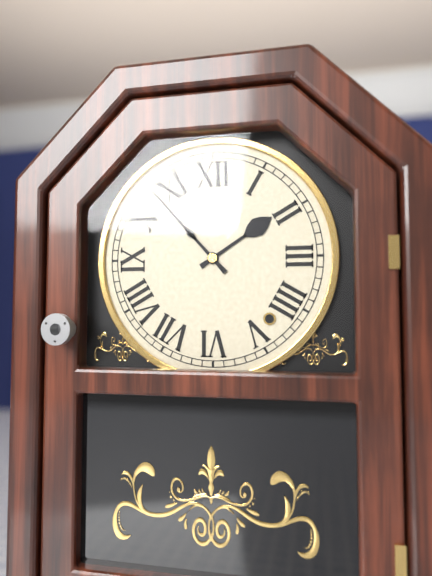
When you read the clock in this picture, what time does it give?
1:53
